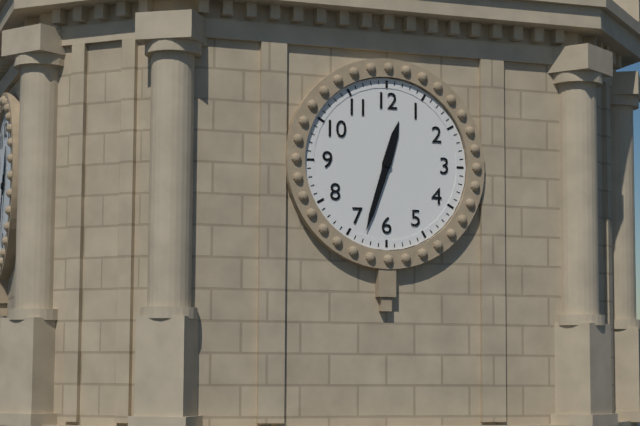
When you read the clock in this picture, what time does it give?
12:33
